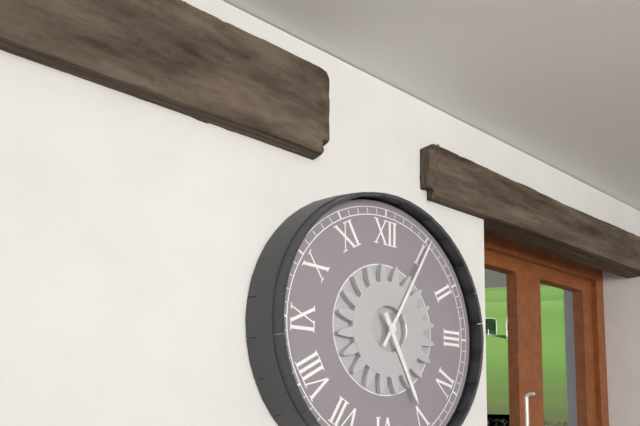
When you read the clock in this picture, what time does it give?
5:05
